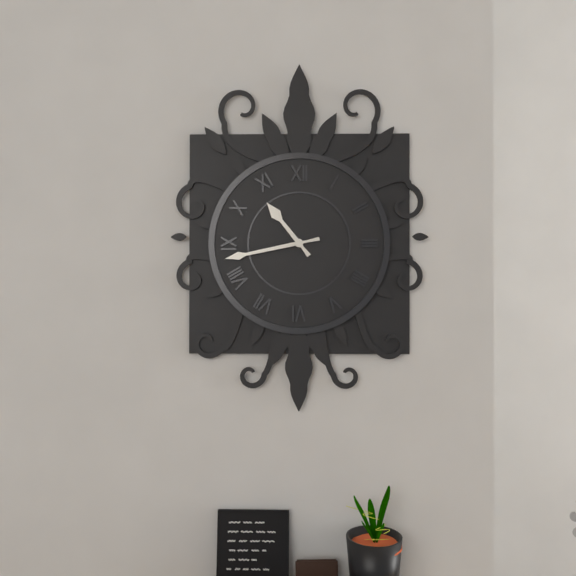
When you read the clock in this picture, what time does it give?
10:43
